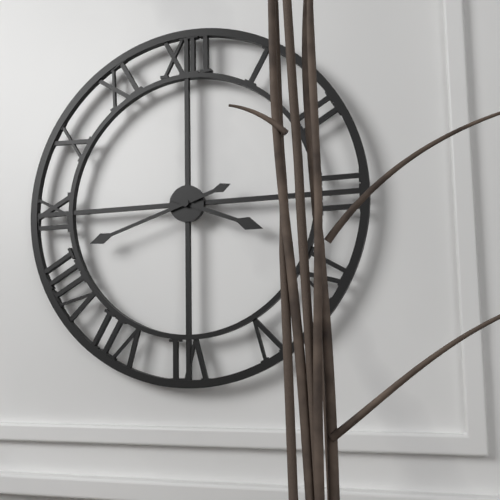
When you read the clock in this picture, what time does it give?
3:42
